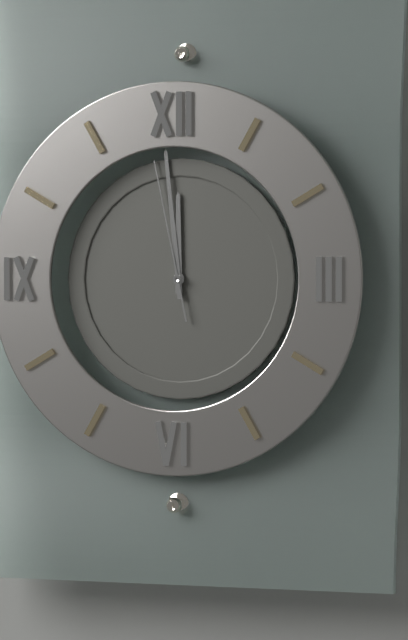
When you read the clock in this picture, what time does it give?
11:59:58
